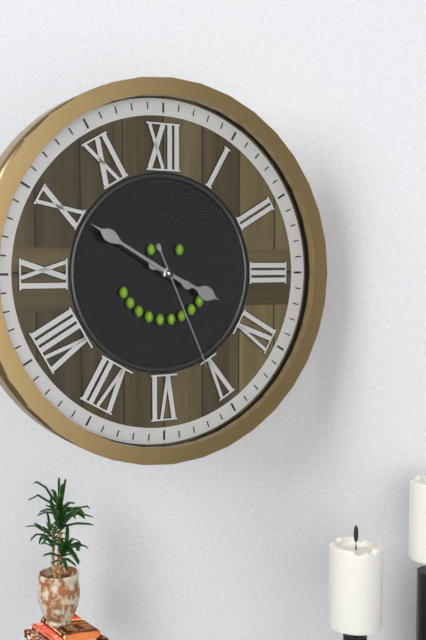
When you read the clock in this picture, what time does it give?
3:50:26
